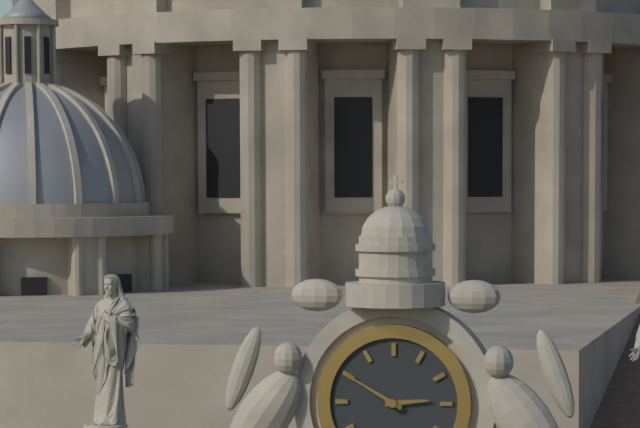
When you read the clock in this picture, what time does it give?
2:50
